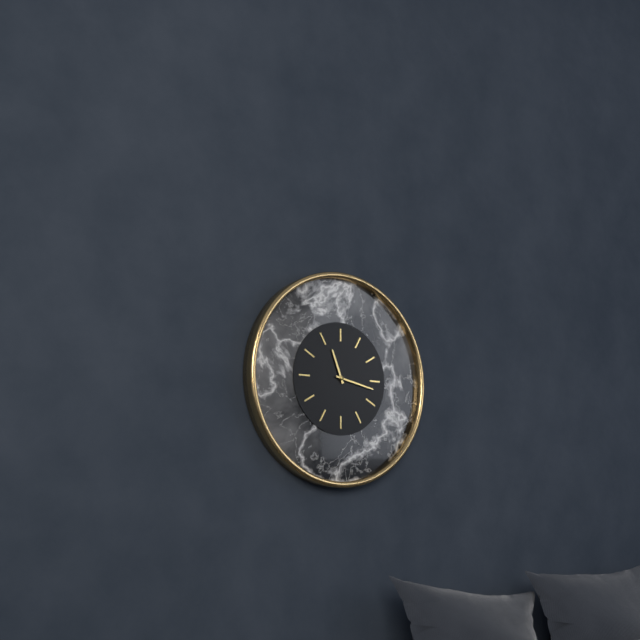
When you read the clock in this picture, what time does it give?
11:17
